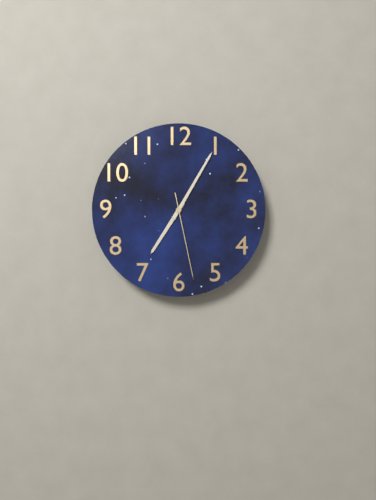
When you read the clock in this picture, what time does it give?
7:05:28
